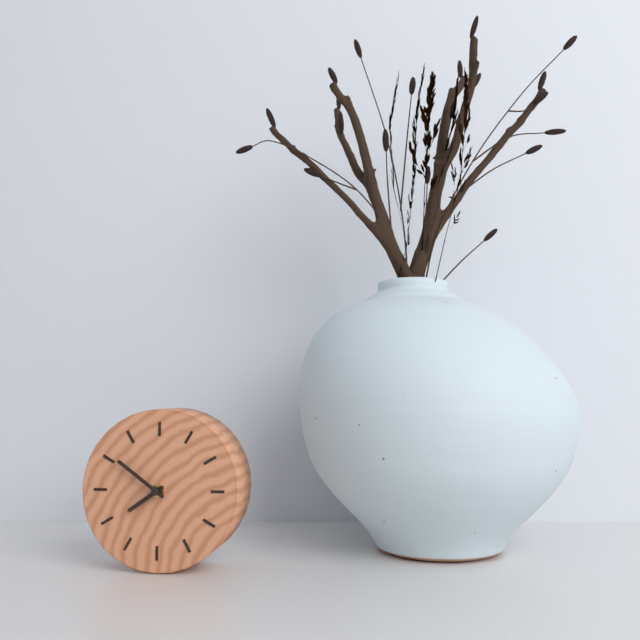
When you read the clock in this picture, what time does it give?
7:51
